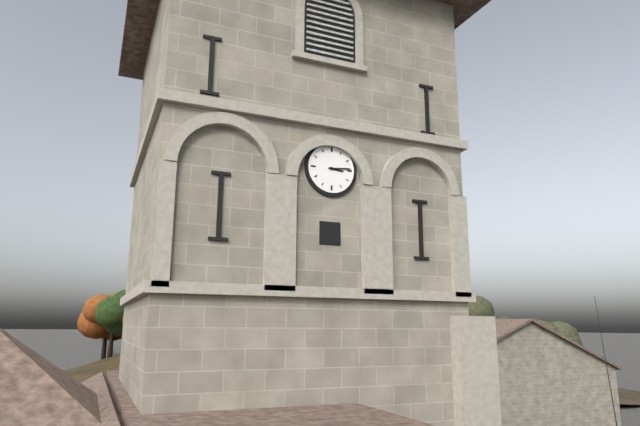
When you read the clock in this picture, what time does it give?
3:14
